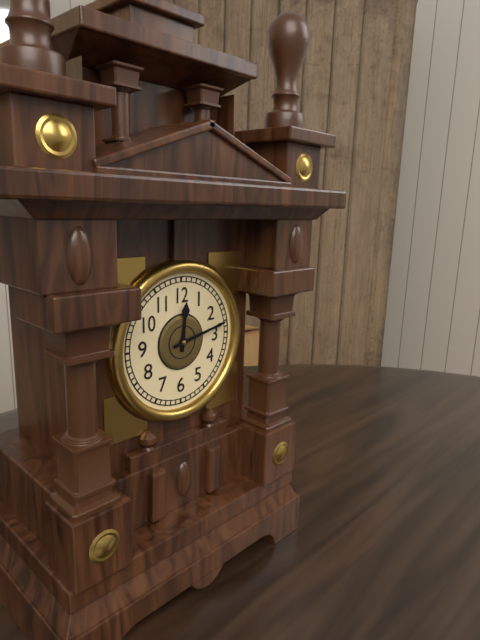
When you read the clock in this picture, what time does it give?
12:13
